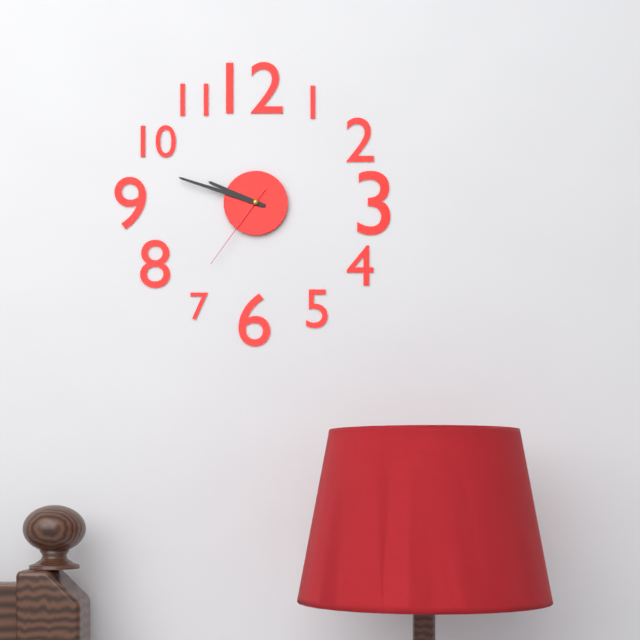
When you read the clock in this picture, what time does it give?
9:48:36
